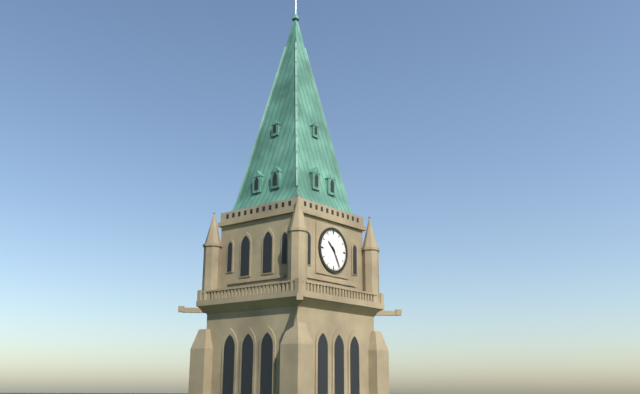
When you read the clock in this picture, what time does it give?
10:25
